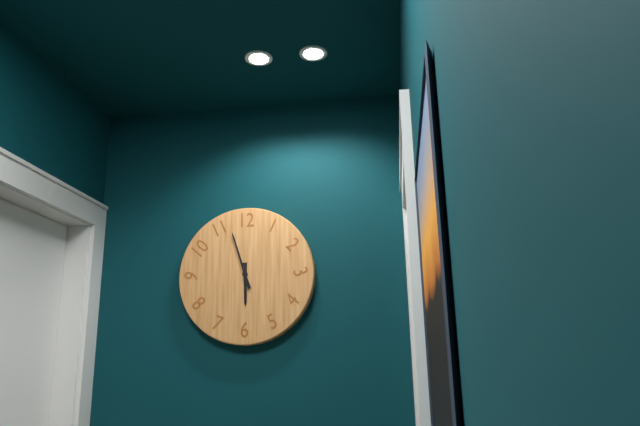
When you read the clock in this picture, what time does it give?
5:57
